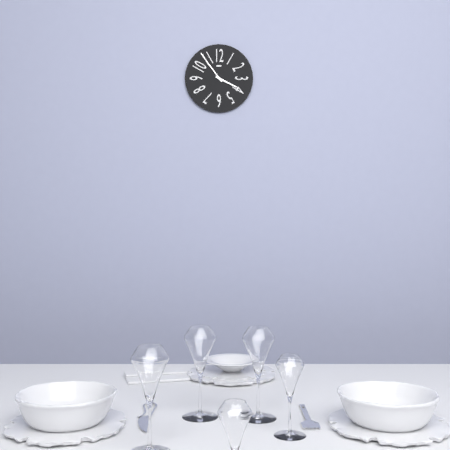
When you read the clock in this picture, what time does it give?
3:54
